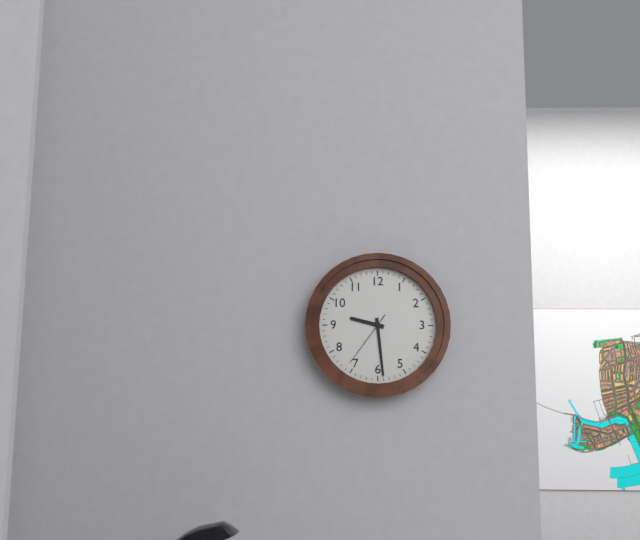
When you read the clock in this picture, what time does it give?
9:29:36
